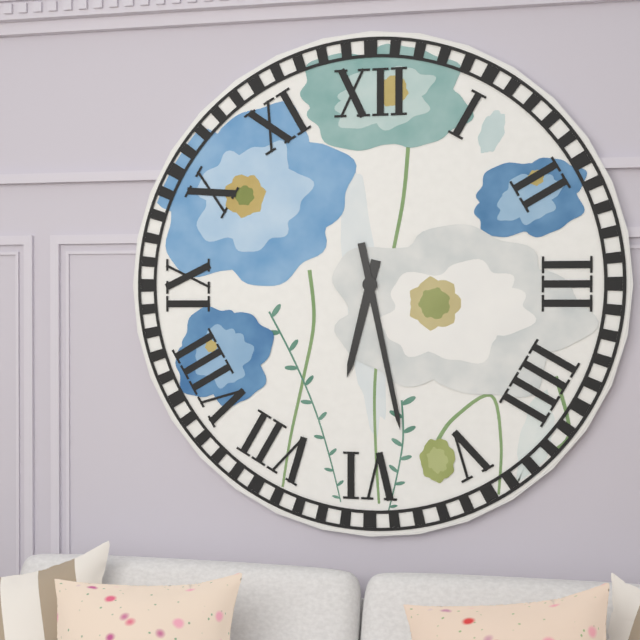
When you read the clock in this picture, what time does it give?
6:28
